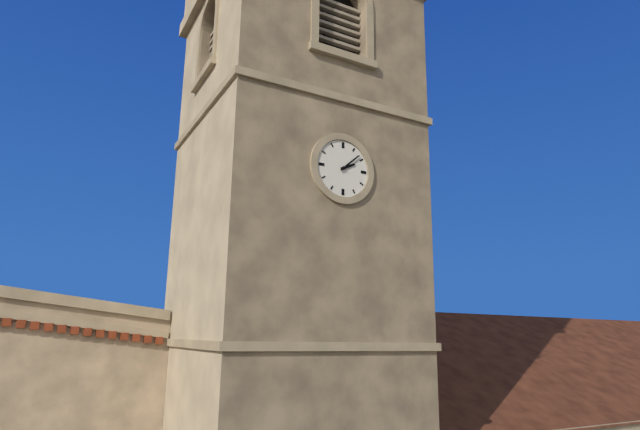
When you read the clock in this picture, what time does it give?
2:08
